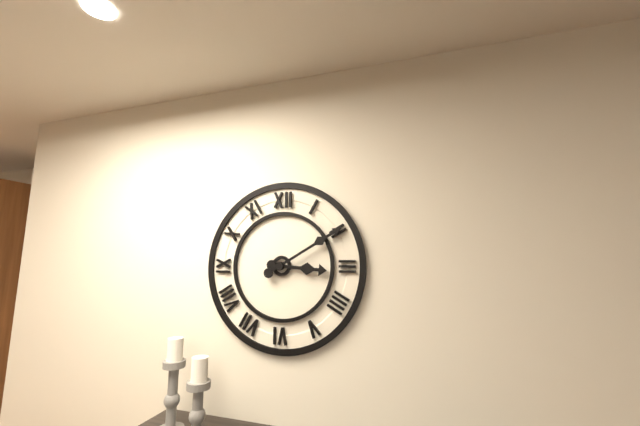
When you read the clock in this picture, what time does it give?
3:10
